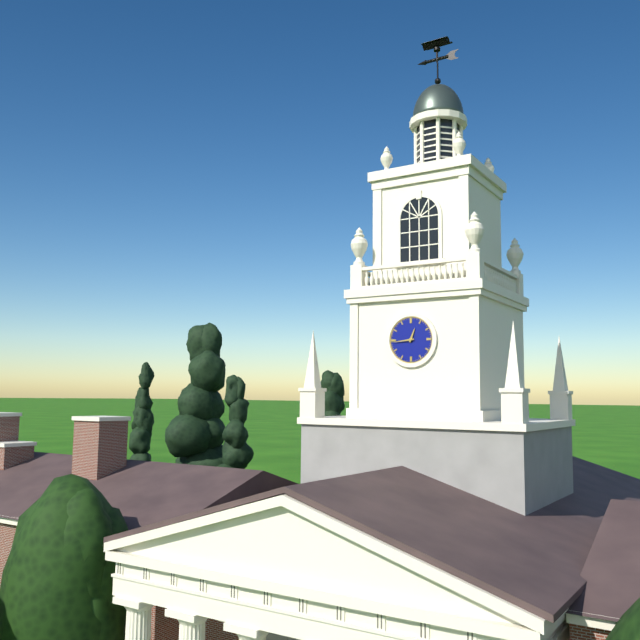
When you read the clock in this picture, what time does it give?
12:44
